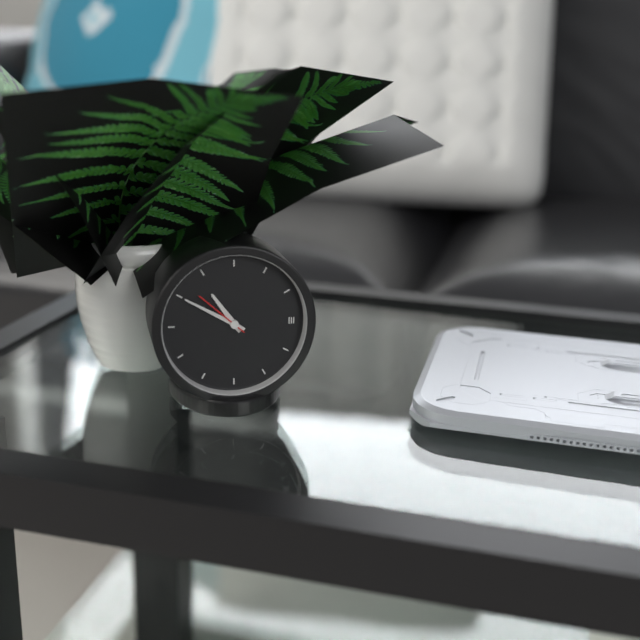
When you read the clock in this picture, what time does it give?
10:50
